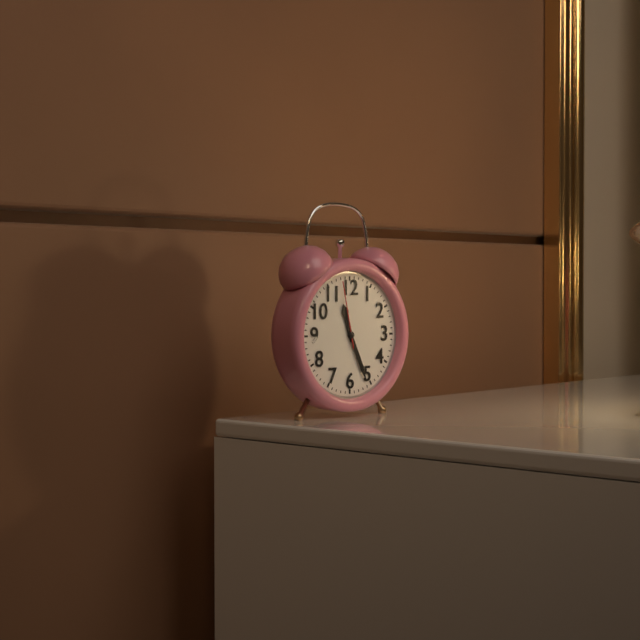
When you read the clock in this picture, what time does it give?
11:26:58
